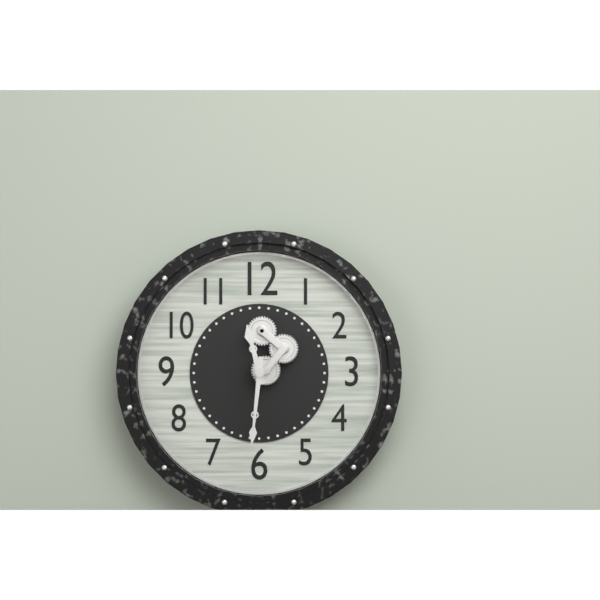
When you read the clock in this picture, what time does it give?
11:31
